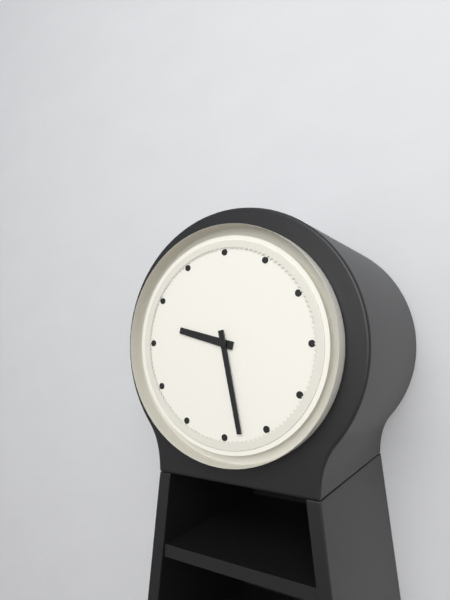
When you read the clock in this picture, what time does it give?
9:28
